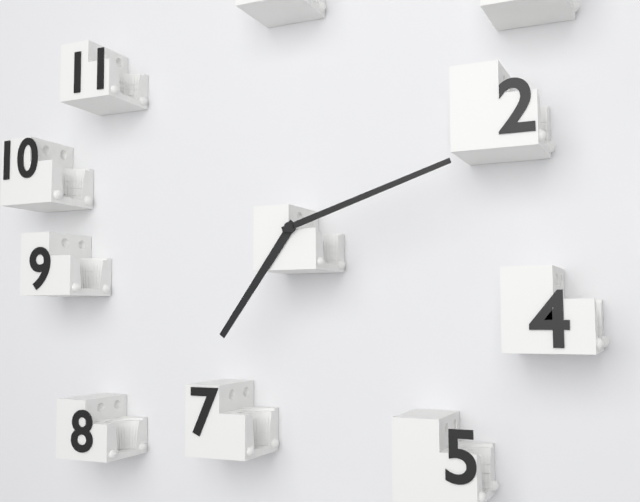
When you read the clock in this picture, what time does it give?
7:12
